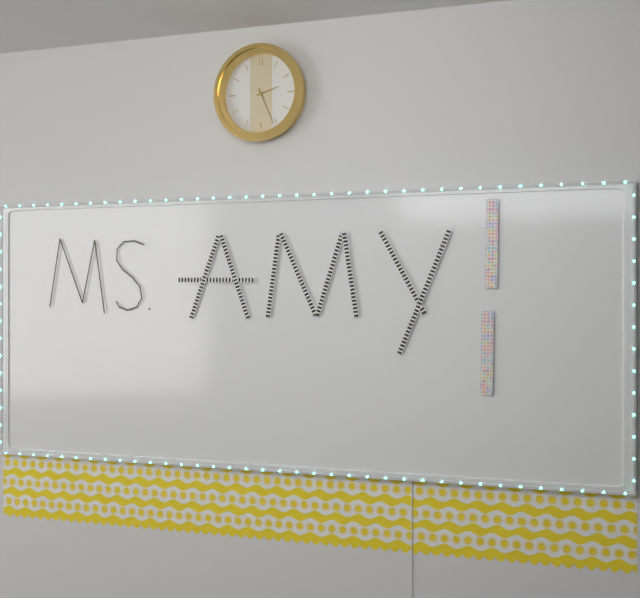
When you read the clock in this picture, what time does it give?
2:26
